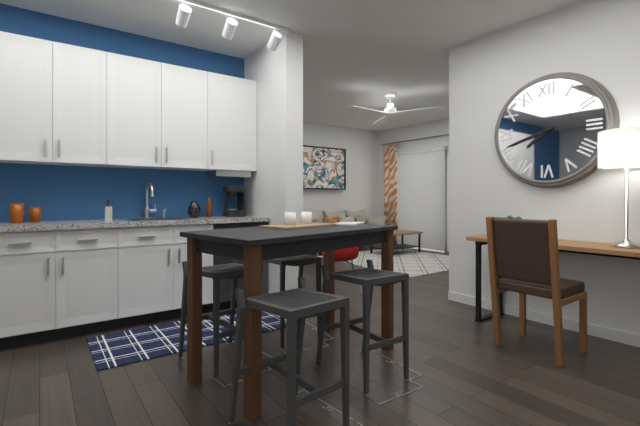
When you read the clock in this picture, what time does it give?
7:42
